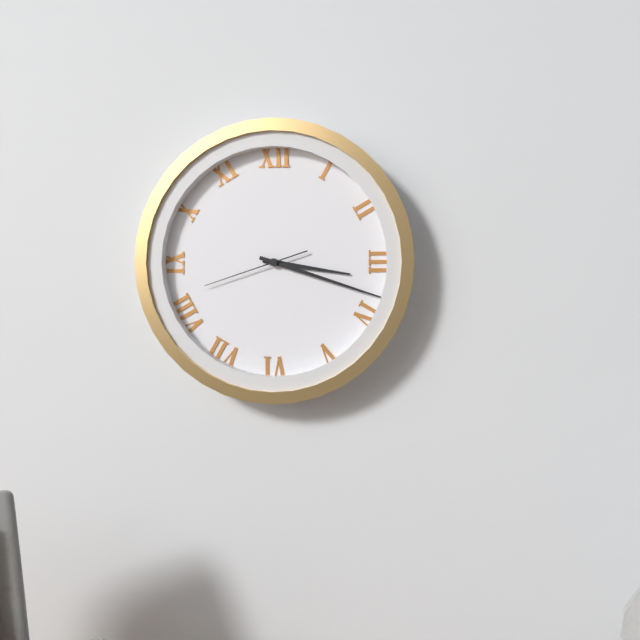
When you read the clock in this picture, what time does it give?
3:18:42
